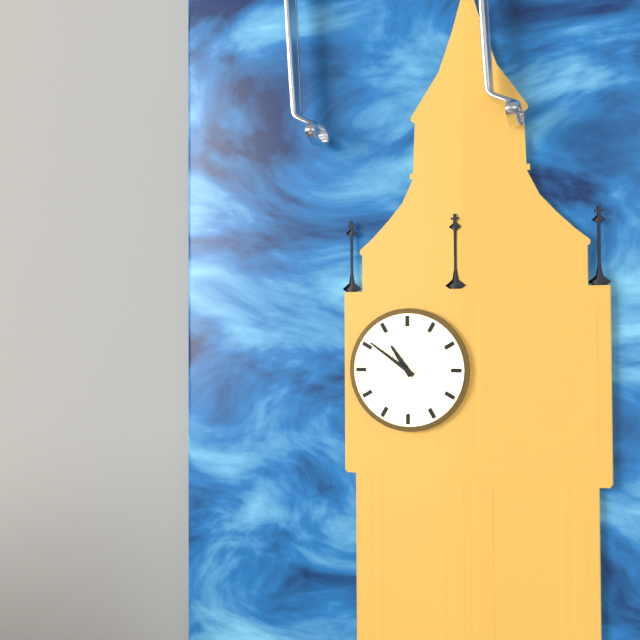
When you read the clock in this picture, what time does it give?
10:51
